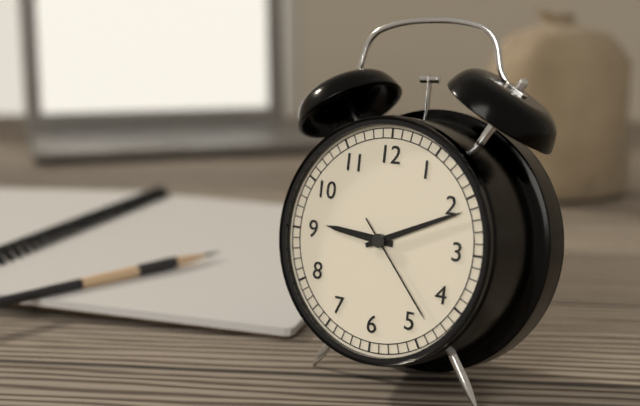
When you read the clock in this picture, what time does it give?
9:11:23
